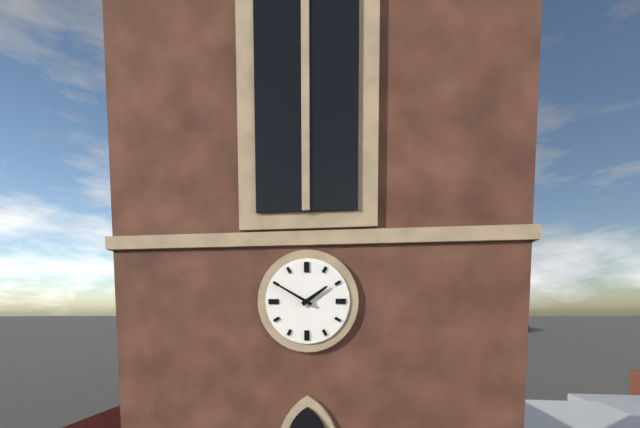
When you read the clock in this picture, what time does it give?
1:50
